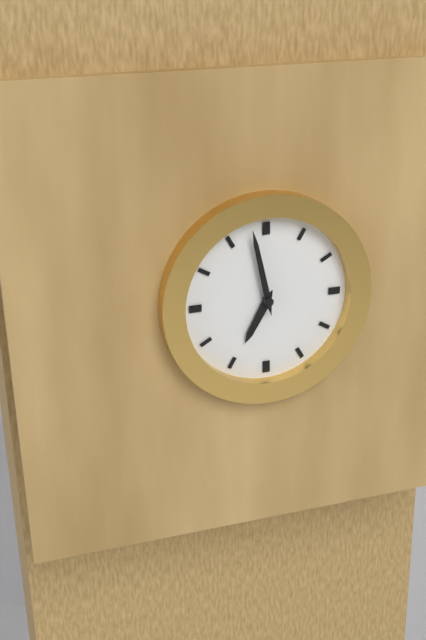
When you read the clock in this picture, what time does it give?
6:58
